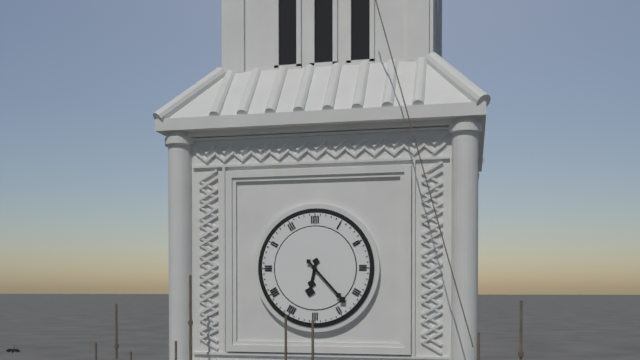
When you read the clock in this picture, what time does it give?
6:23
